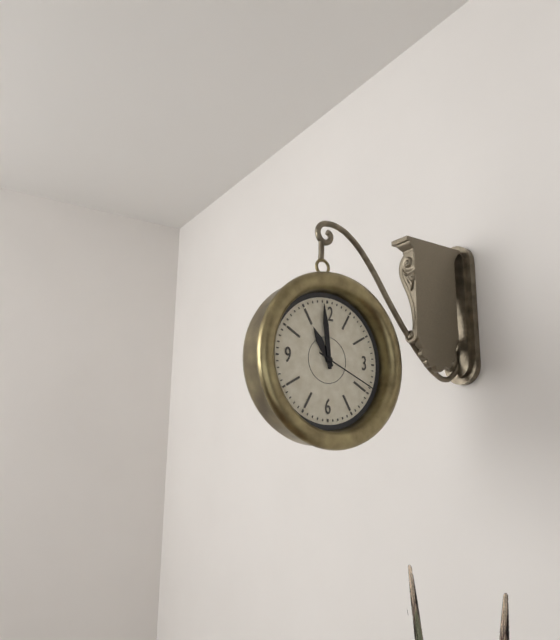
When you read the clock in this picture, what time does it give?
10:59:19
